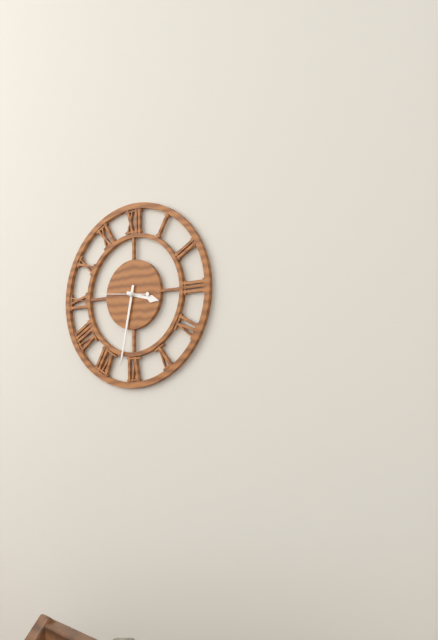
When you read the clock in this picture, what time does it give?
3:32
